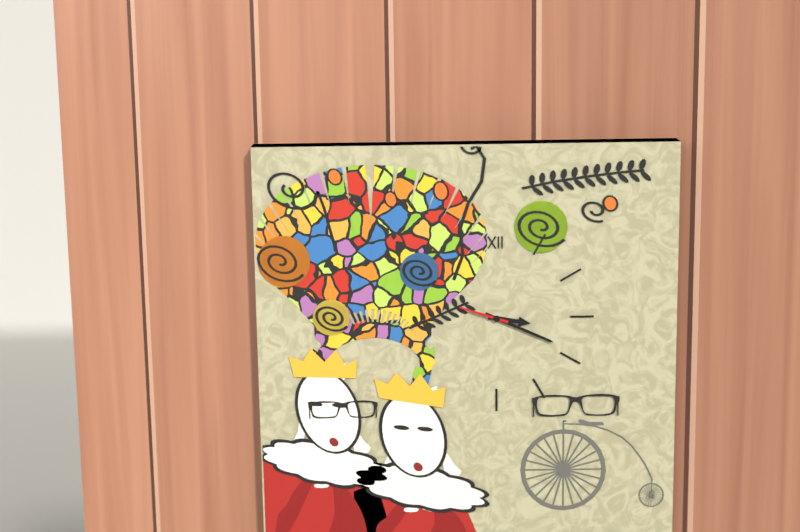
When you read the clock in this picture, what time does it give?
3:19
